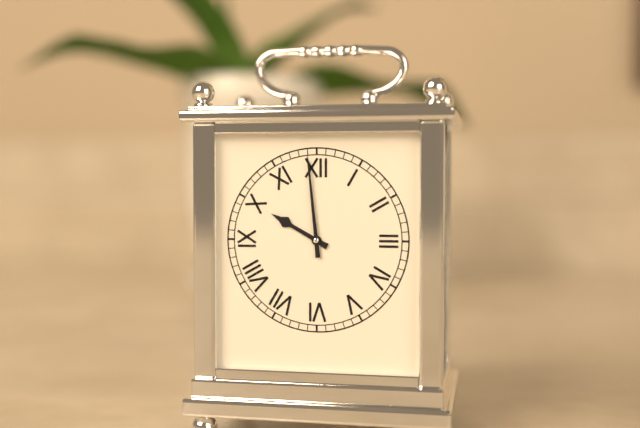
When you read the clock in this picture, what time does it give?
9:59
